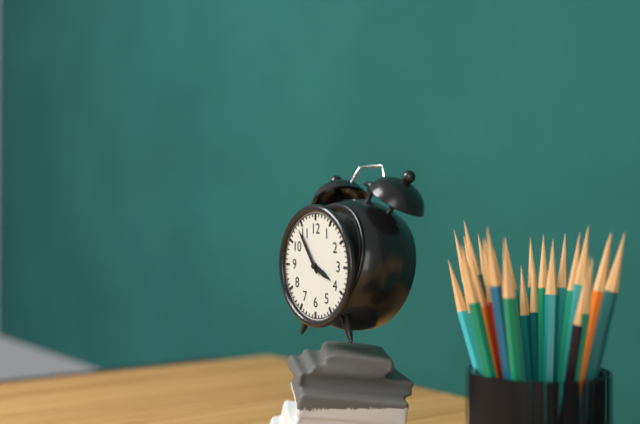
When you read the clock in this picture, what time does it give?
3:54
